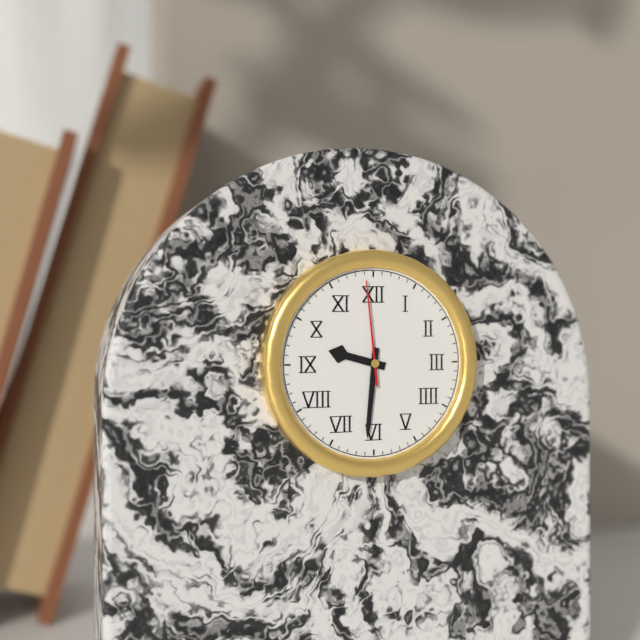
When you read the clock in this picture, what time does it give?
9:31:59
